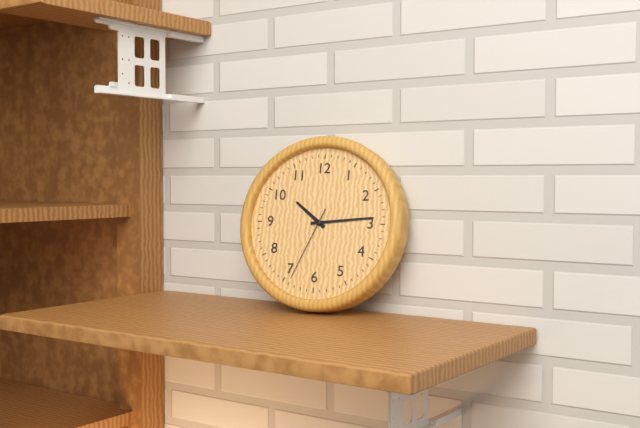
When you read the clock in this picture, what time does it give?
10:14:34
